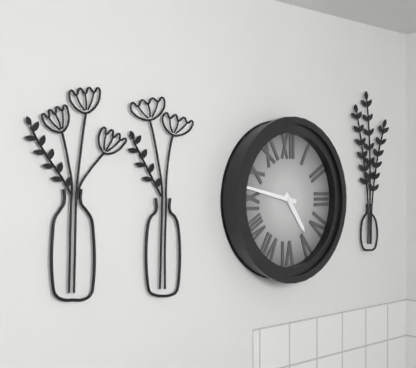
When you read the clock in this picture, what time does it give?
4:47
